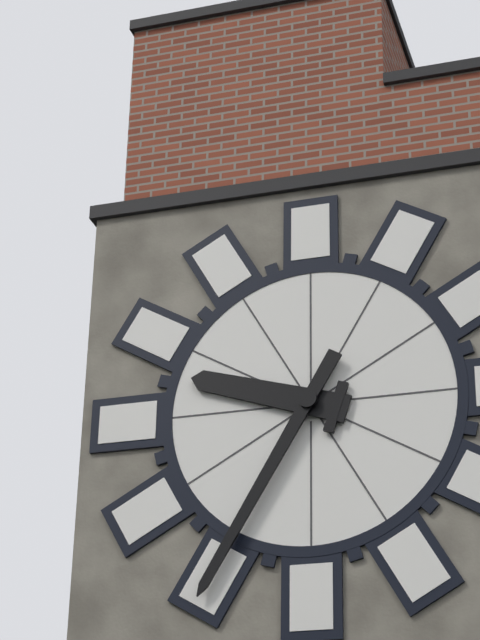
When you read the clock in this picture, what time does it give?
9:35
